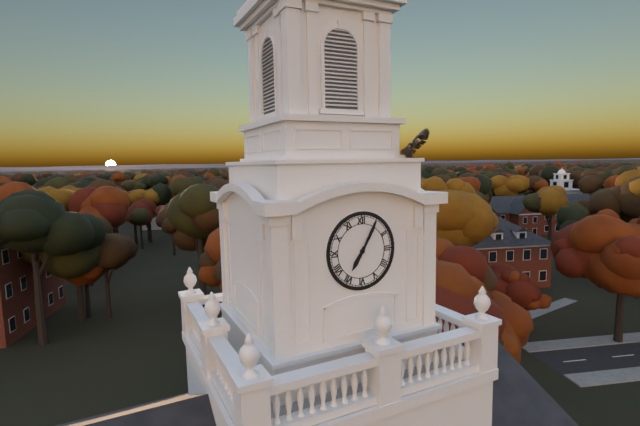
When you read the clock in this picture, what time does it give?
7:05
